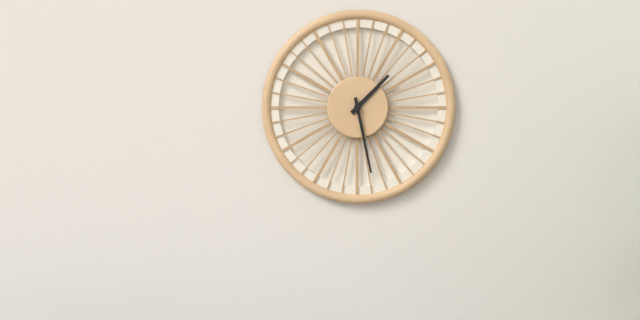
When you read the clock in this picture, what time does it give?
1:28
